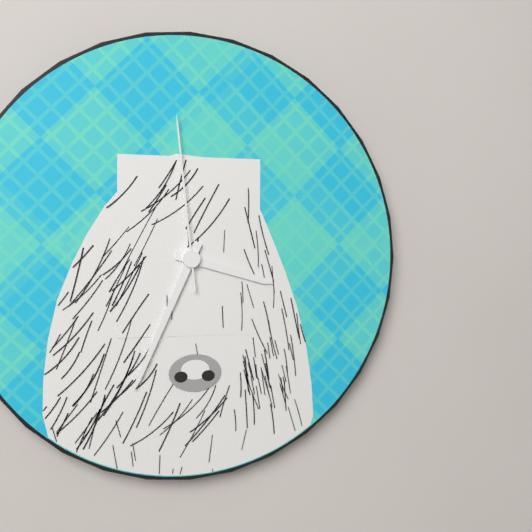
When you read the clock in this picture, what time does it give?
3:34:59
